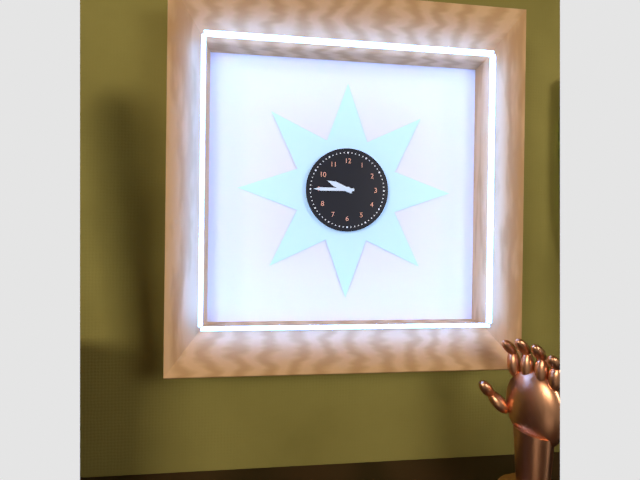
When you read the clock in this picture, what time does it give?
9:45
